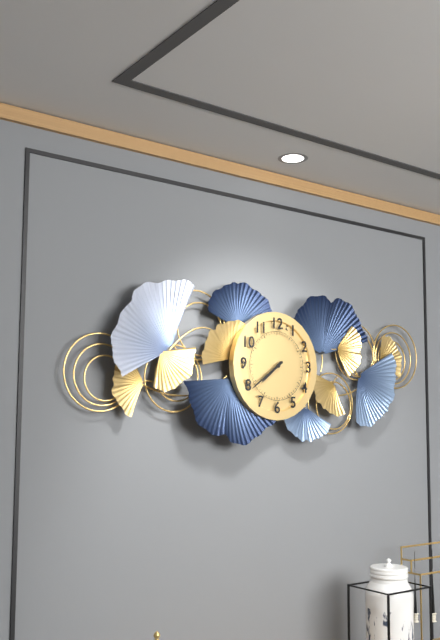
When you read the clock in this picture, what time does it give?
7:39
